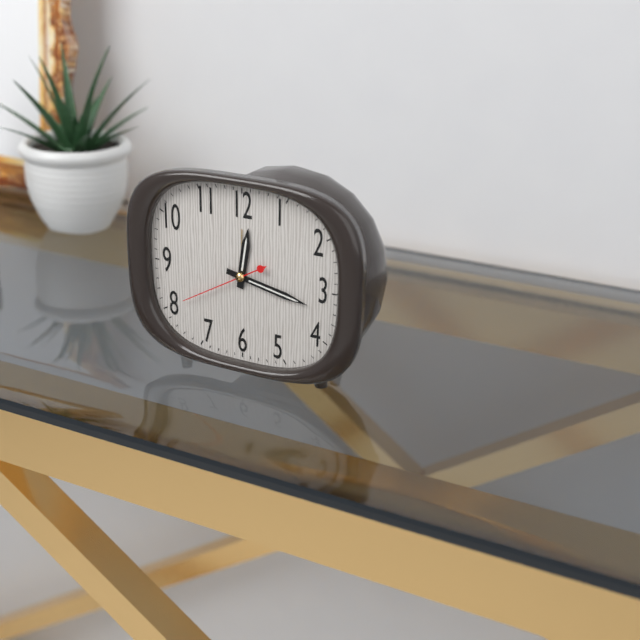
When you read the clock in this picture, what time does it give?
12:17:40
